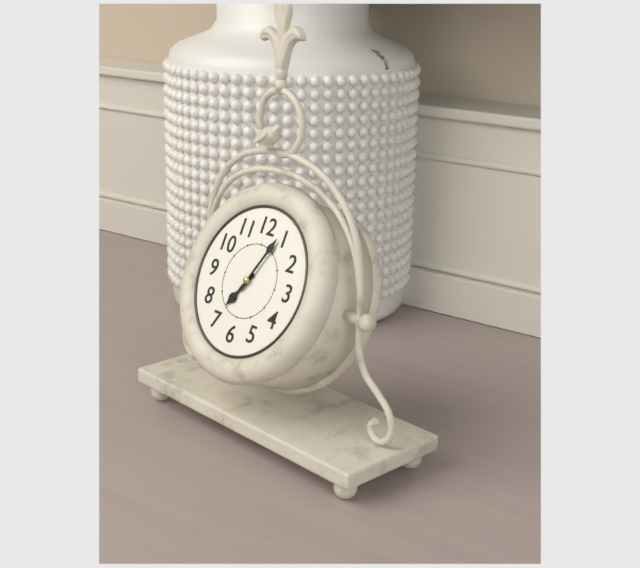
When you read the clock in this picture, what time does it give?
7:04
